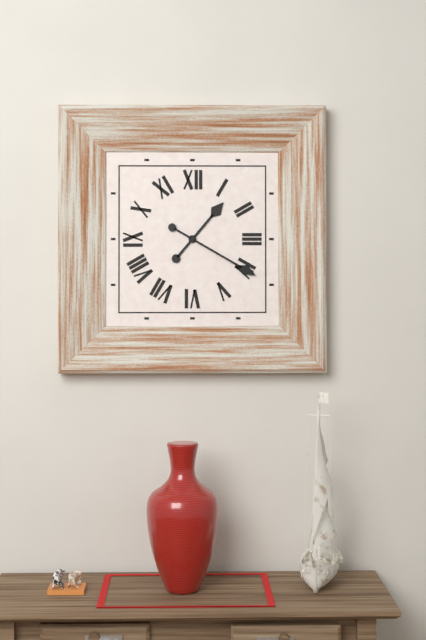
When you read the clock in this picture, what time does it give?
1:20
